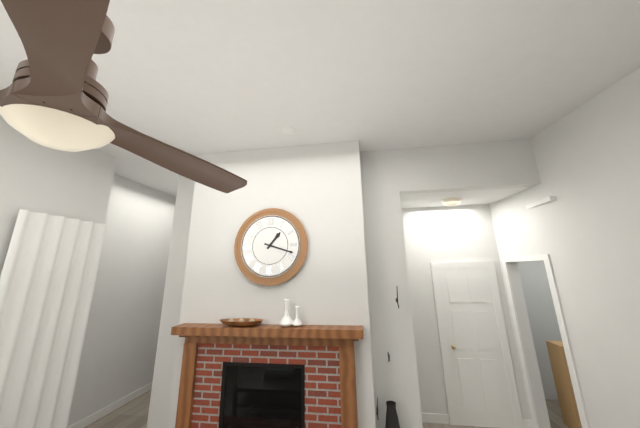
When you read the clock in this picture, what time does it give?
1:18
